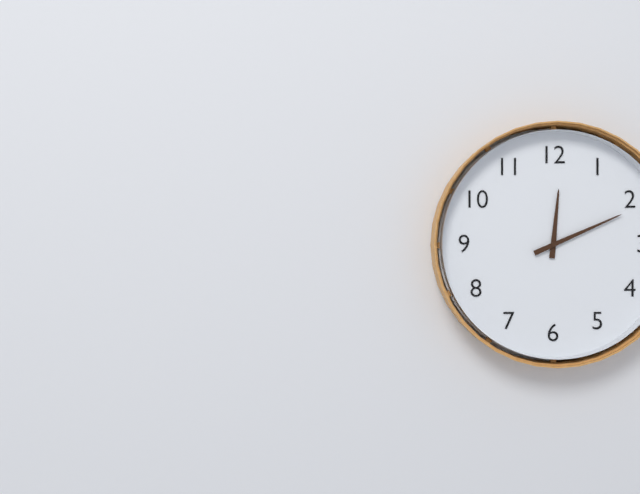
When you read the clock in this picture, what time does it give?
12:11
